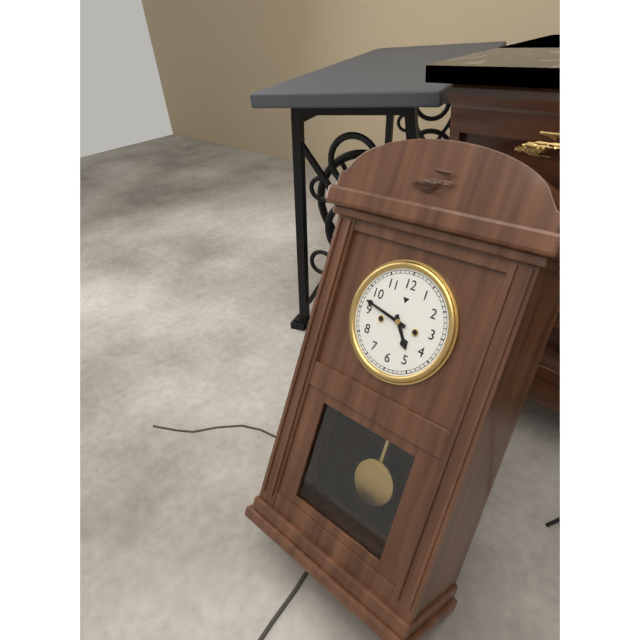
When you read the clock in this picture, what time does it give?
4:47
